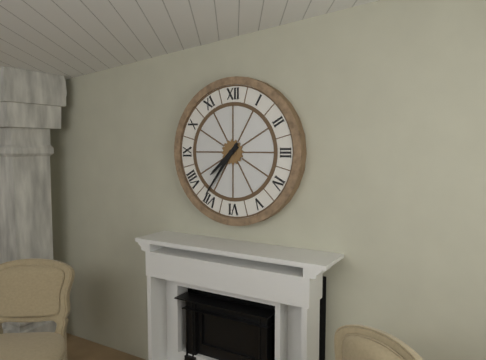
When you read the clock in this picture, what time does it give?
7:36
